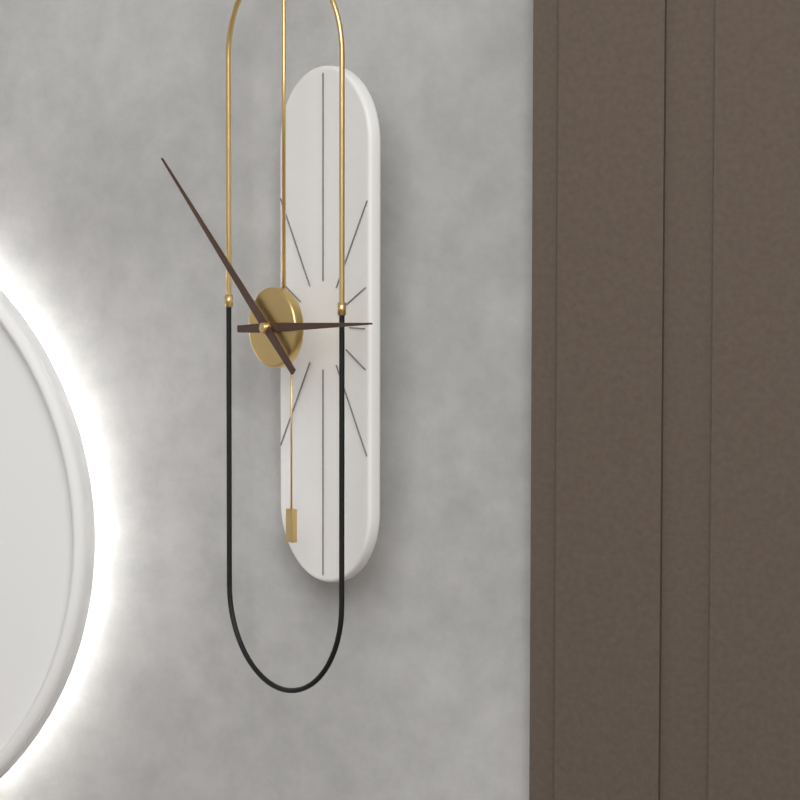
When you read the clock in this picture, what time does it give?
2:52
